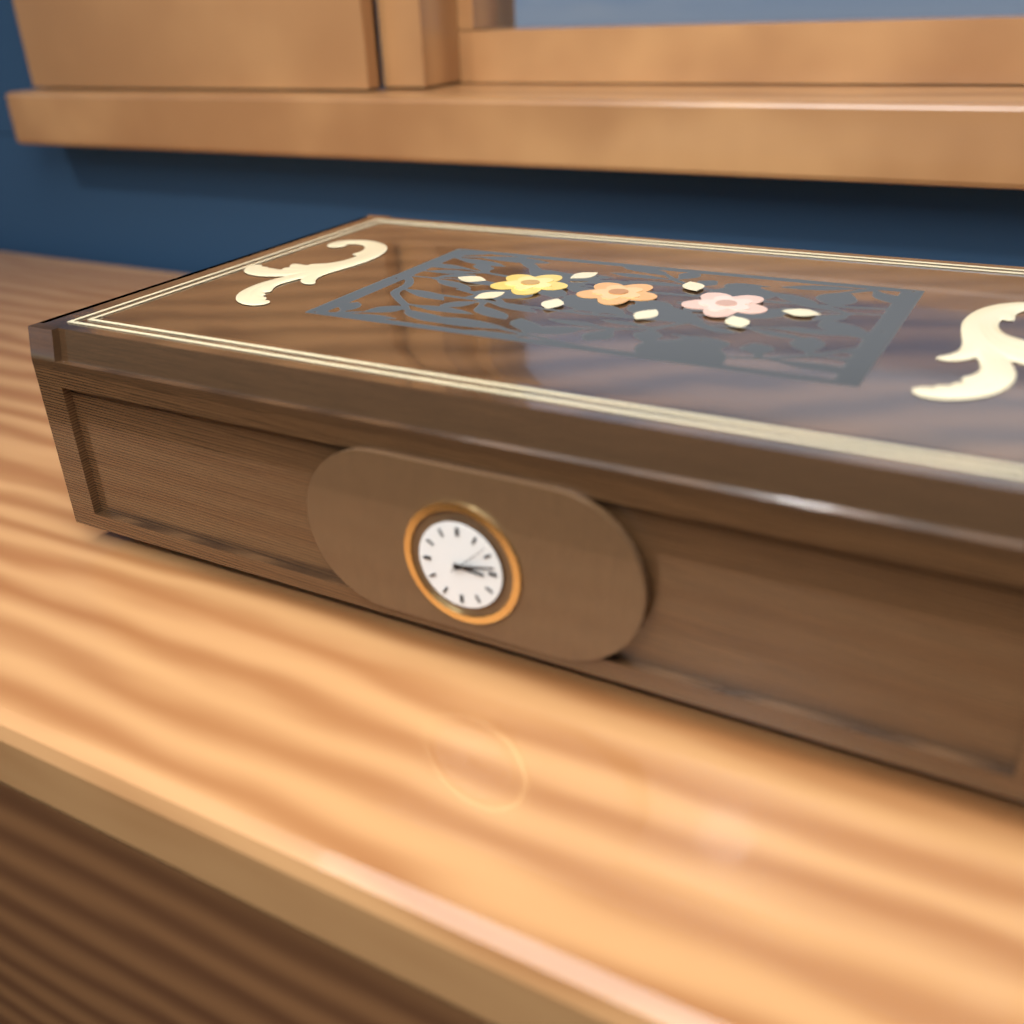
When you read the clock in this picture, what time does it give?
3:13:08
